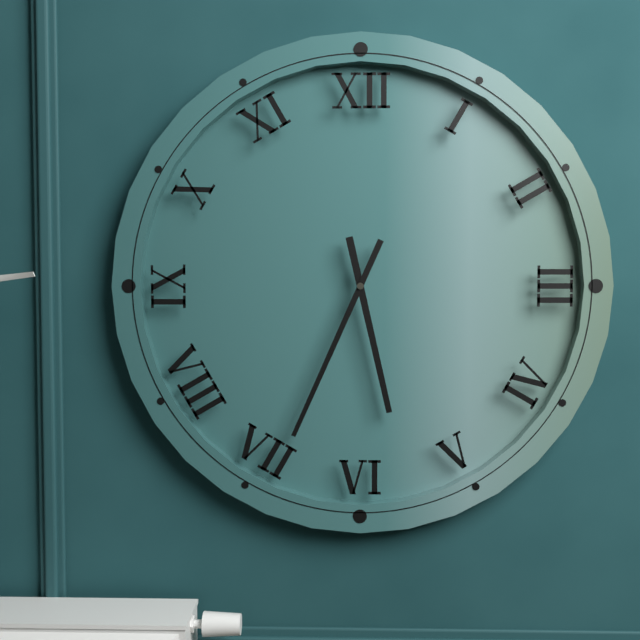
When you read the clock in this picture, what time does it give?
5:34
